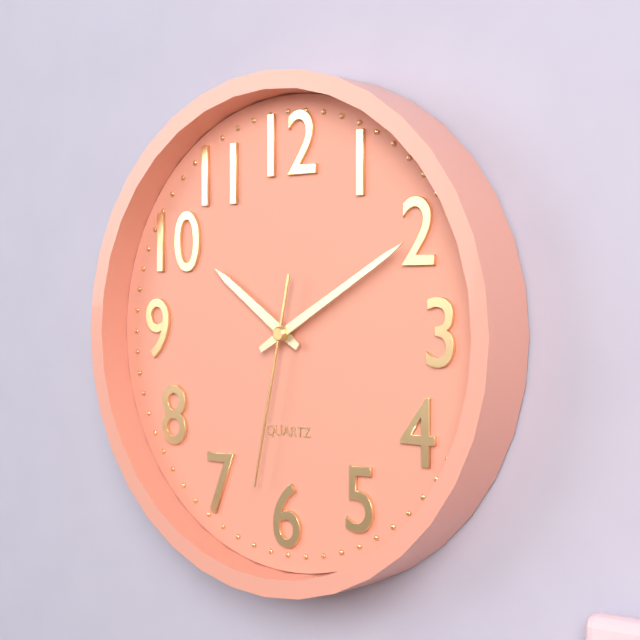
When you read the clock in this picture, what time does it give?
10:10:32
